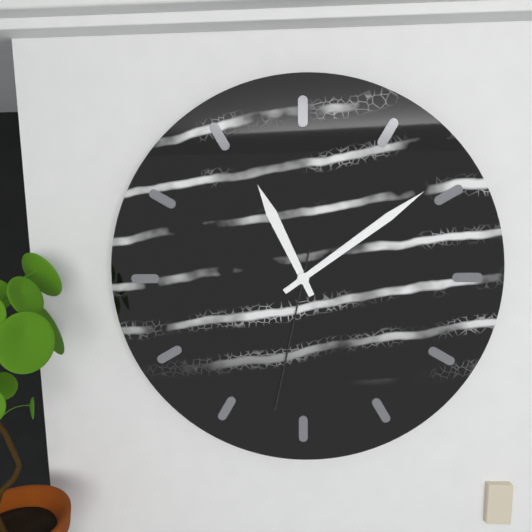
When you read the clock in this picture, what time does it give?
11:09:32
